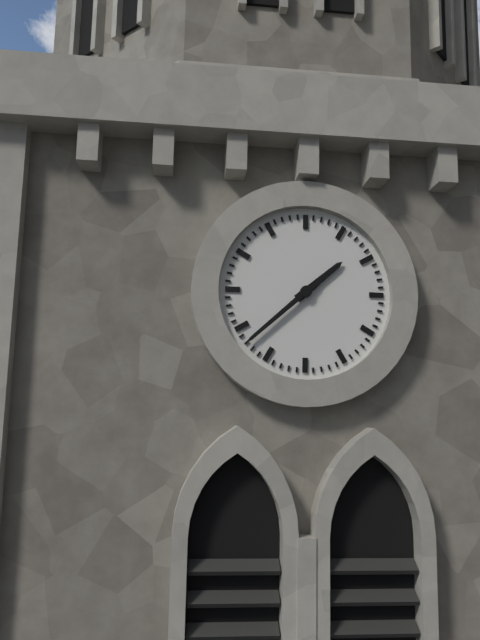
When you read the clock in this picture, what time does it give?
1:38
